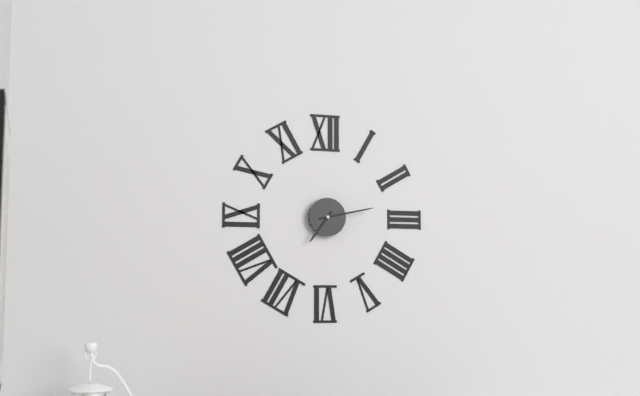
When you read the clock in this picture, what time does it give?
7:13
